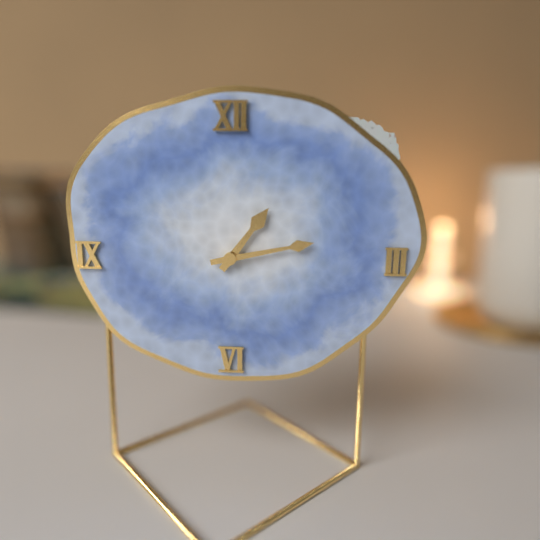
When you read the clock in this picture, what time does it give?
1:13
